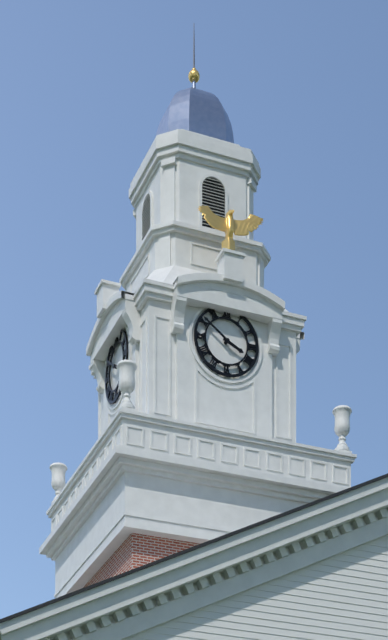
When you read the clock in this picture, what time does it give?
3:51
